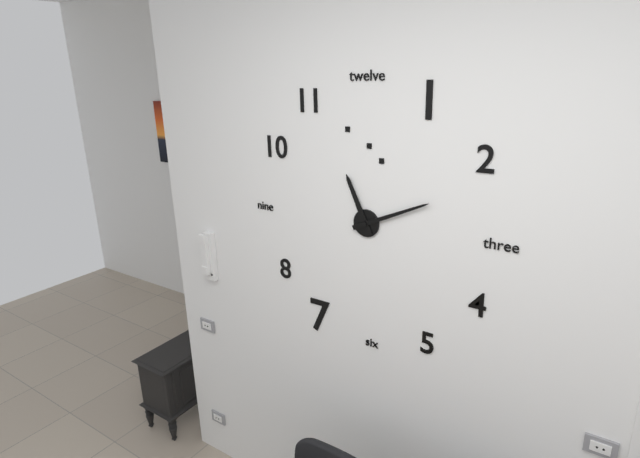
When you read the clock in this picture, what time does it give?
11:11
